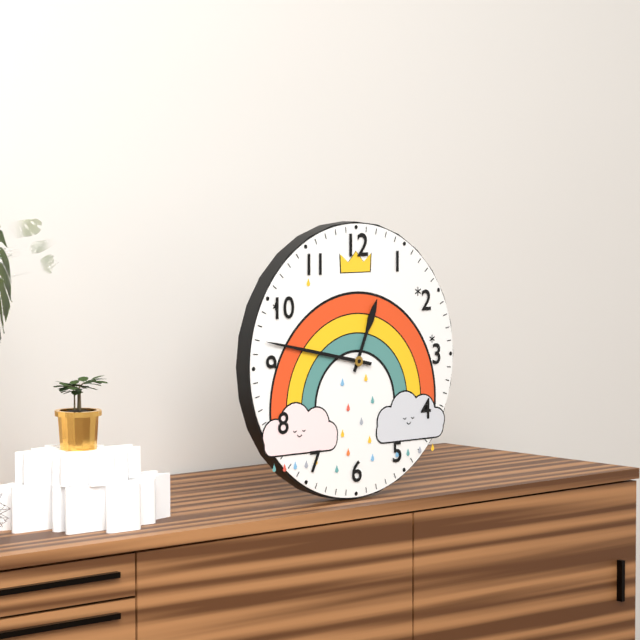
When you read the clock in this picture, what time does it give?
12:47
